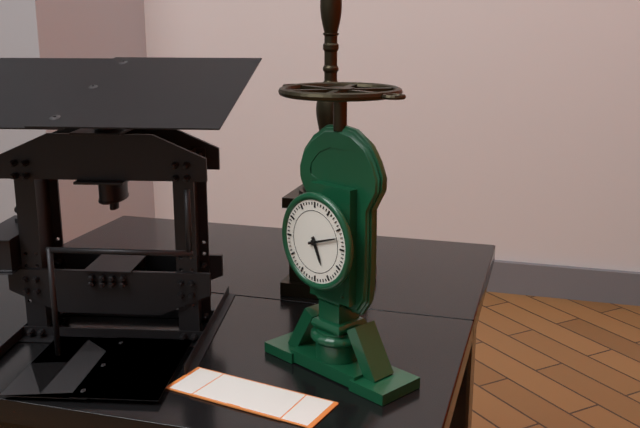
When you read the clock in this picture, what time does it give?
5:12
